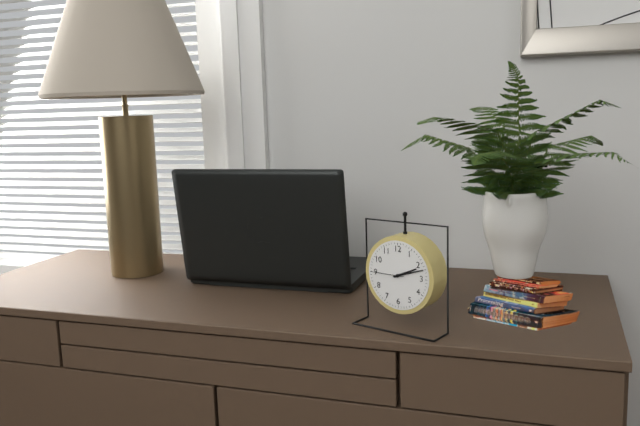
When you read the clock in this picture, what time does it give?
2:12
